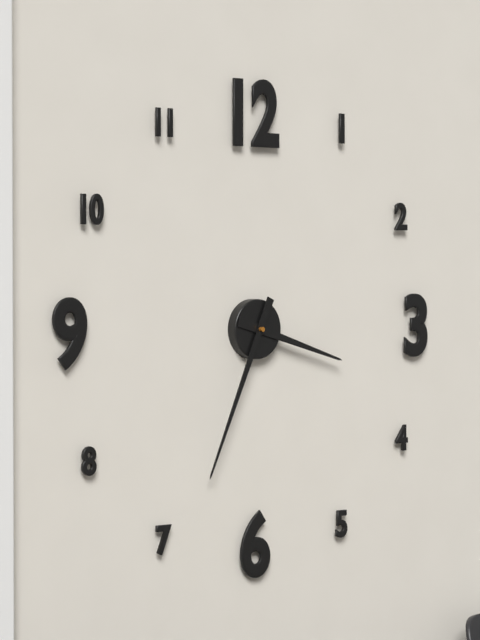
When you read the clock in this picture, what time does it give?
3:34
